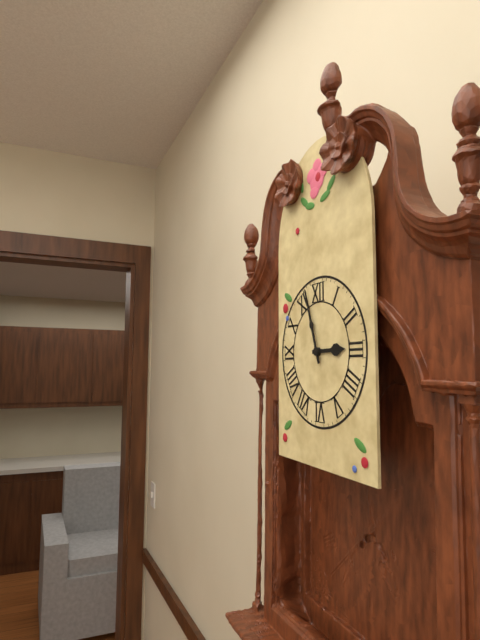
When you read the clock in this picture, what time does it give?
2:57
